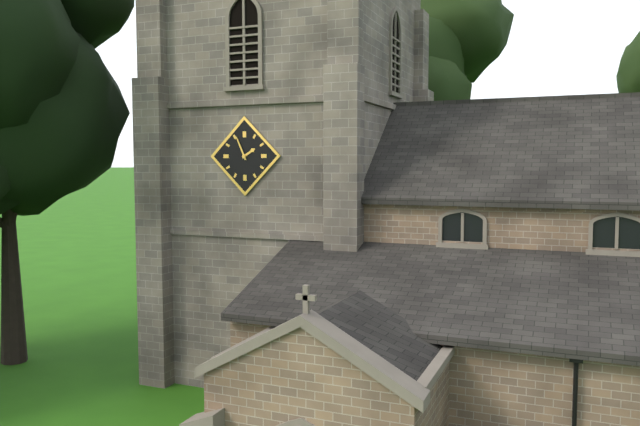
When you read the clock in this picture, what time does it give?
1:56
